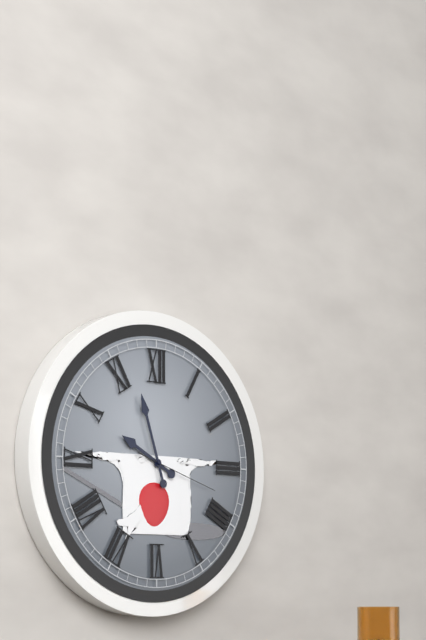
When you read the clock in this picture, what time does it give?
9:57:18
